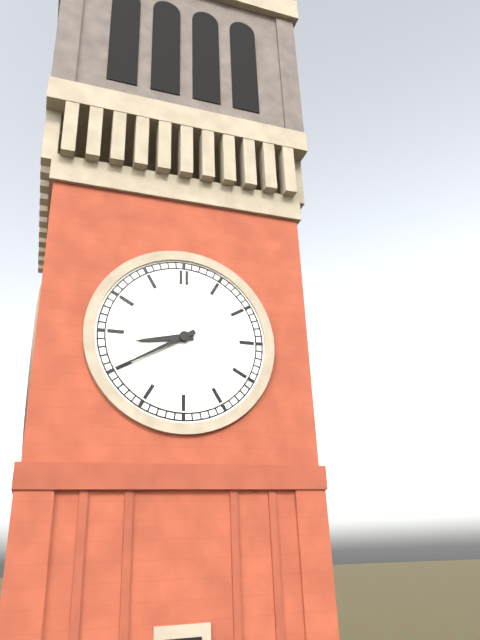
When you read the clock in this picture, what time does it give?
8:40
